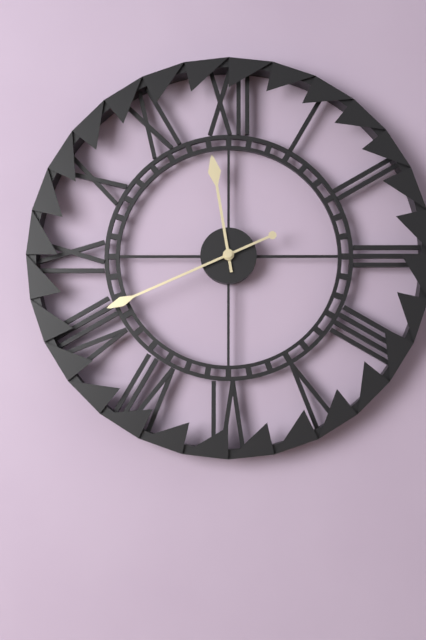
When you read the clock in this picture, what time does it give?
11:41
